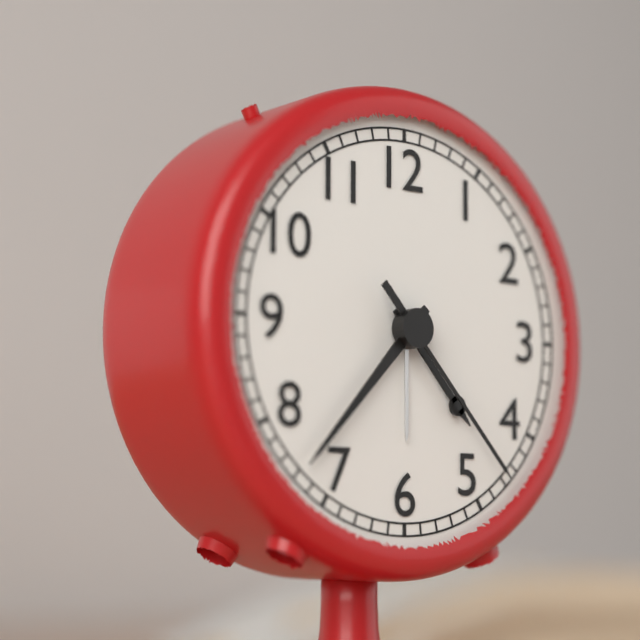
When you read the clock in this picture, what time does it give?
4:37:23
